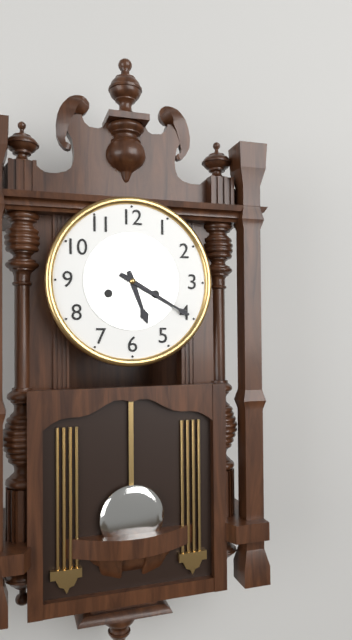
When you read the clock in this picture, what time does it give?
5:20
